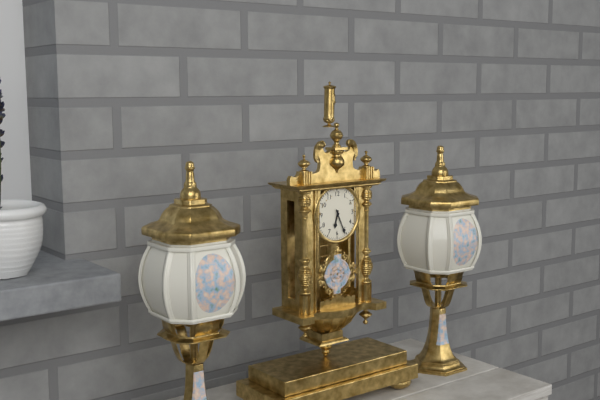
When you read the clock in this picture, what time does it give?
6:26
